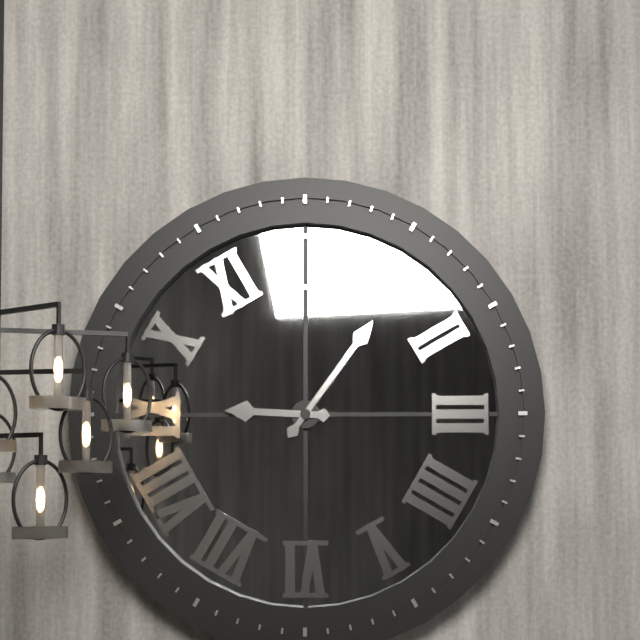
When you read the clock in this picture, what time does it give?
9:06
